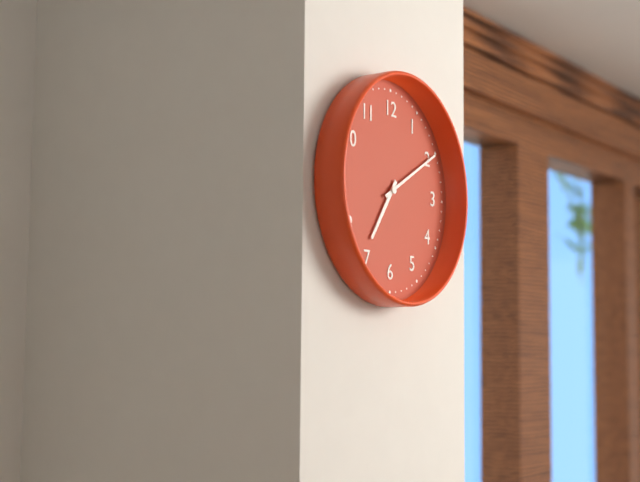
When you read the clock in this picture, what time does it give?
7:10
